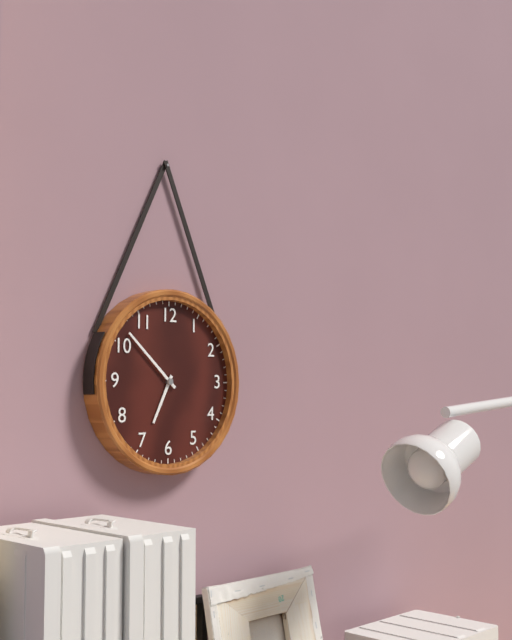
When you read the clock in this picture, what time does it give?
6:52
